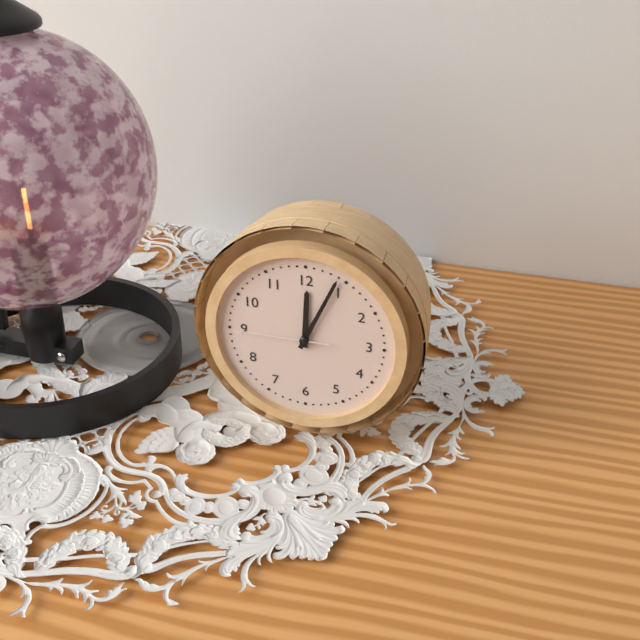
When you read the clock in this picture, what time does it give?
12:04:45
